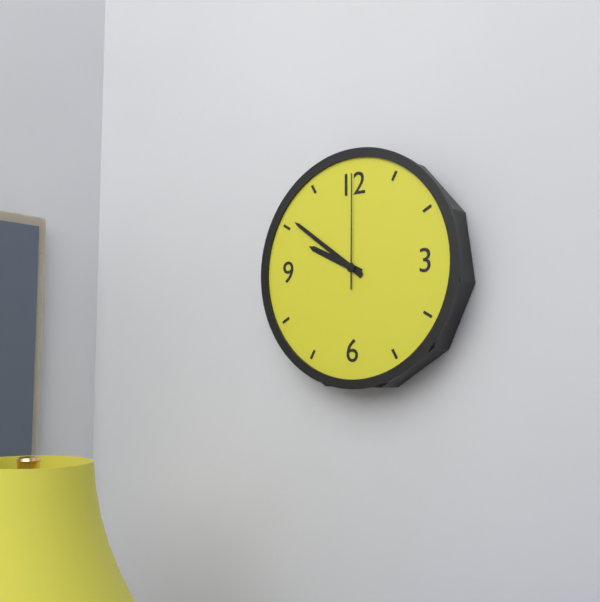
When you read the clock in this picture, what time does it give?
9:51:00
